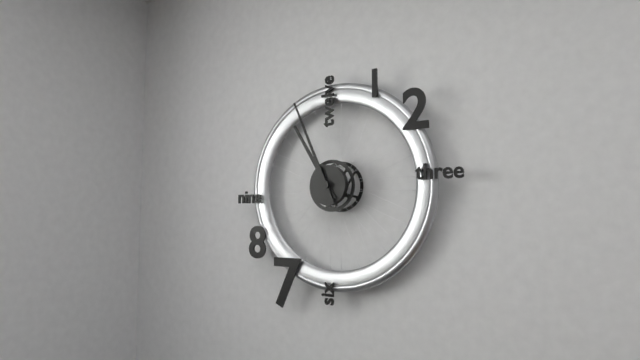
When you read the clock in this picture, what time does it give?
10:56
